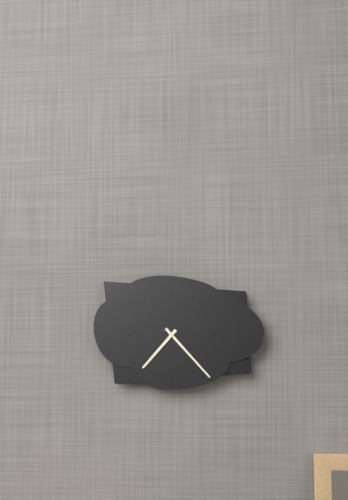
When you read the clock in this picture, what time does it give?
7:23
